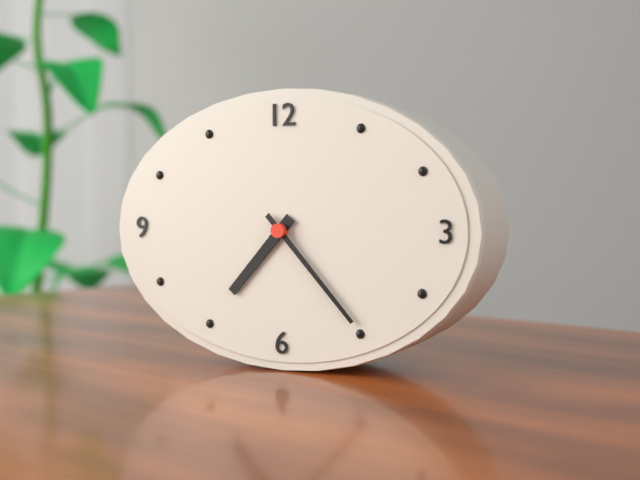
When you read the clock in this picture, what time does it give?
7:23
